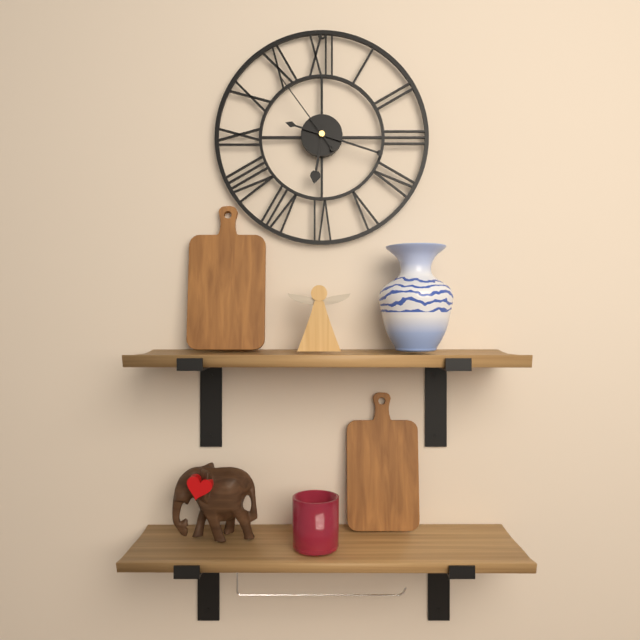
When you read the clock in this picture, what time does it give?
6:18:54
